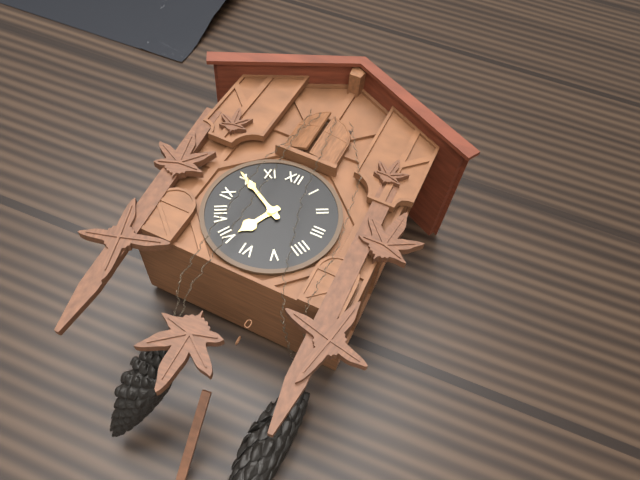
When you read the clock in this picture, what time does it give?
6:50
